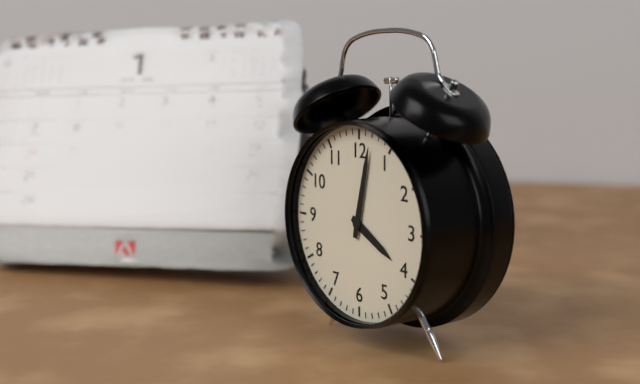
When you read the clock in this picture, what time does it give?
4:02
